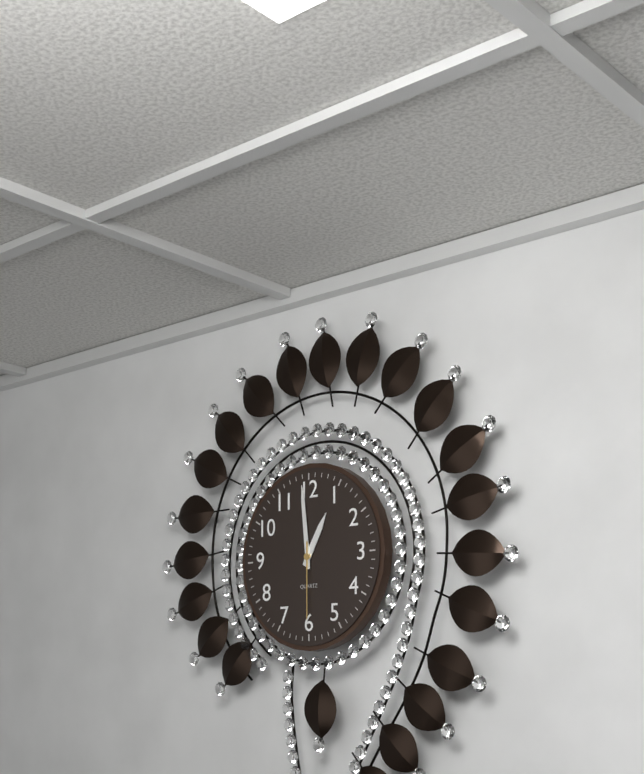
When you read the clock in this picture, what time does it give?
12:59:30
